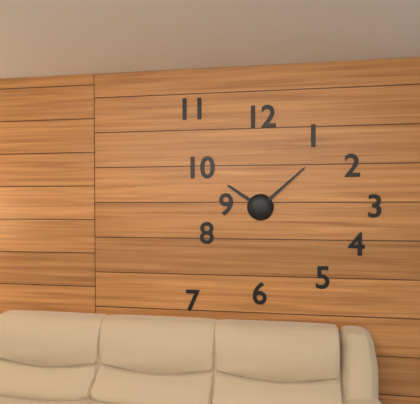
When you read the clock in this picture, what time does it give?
10:08
